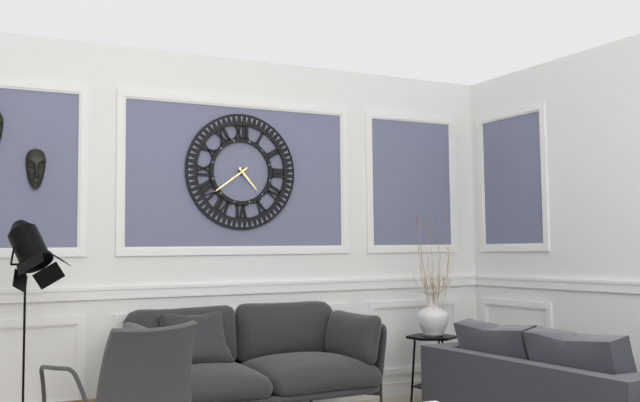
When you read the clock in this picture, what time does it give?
4:39
